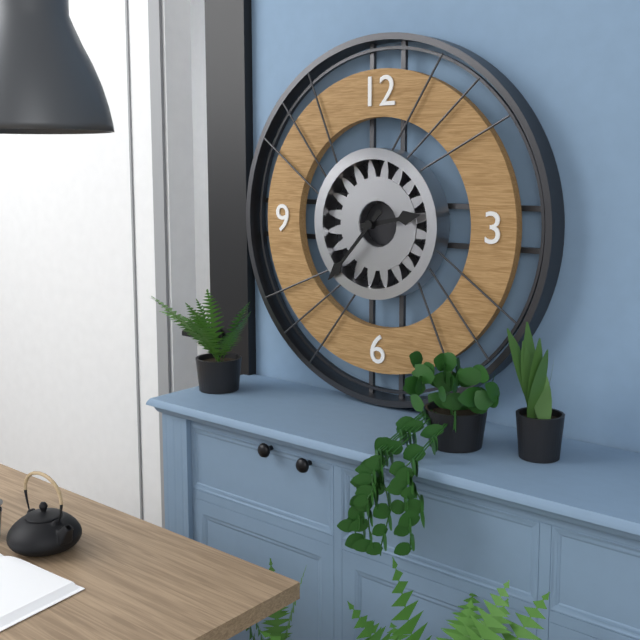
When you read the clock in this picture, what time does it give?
2:37
